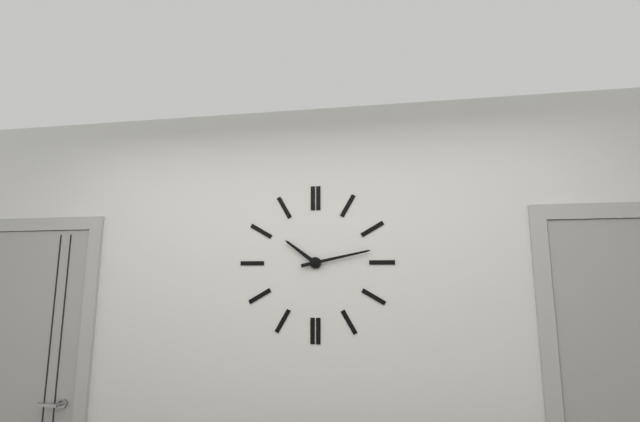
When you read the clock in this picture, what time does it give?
10:13
